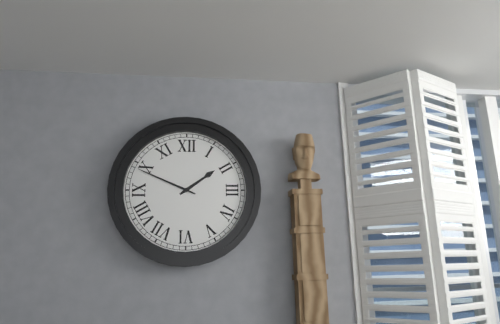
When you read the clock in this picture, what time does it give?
1:49
